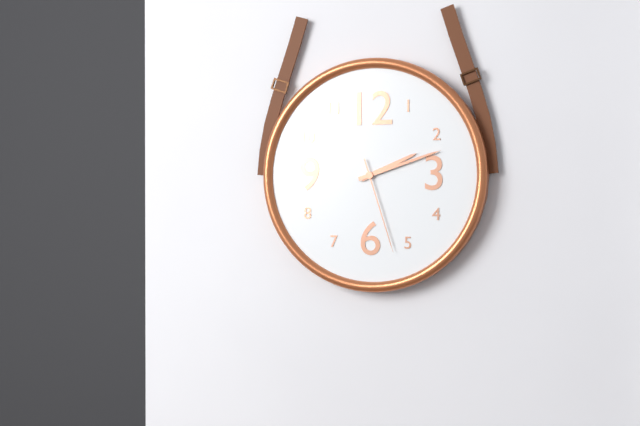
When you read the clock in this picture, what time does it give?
2:12:27
